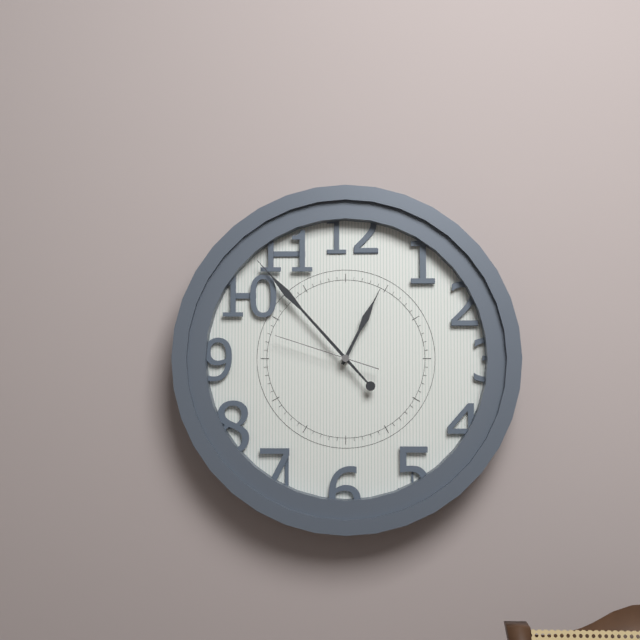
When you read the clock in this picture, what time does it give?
12:53:48
